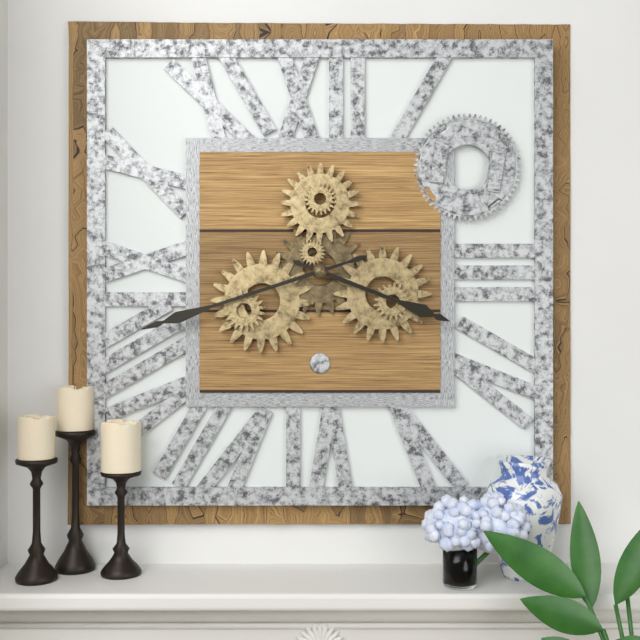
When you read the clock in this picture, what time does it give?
3:42
